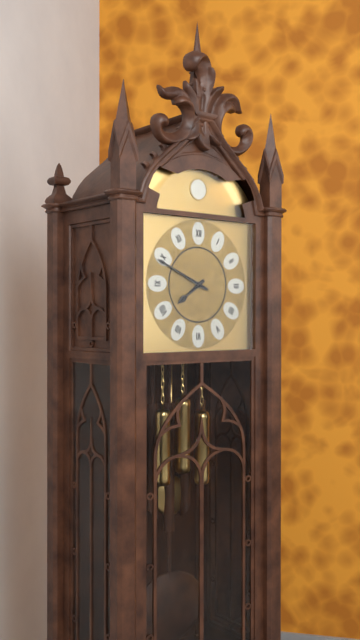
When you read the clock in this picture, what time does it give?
7:49
